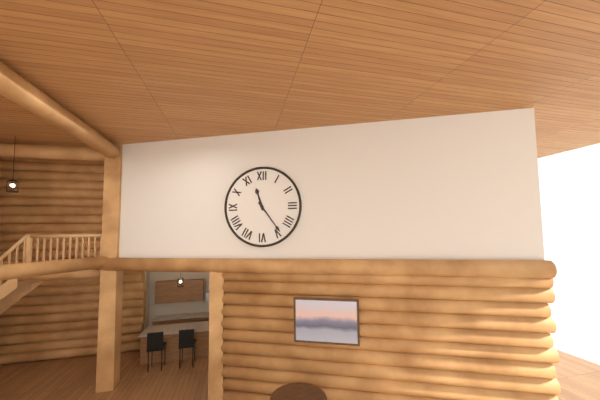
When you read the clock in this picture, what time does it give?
11:24
